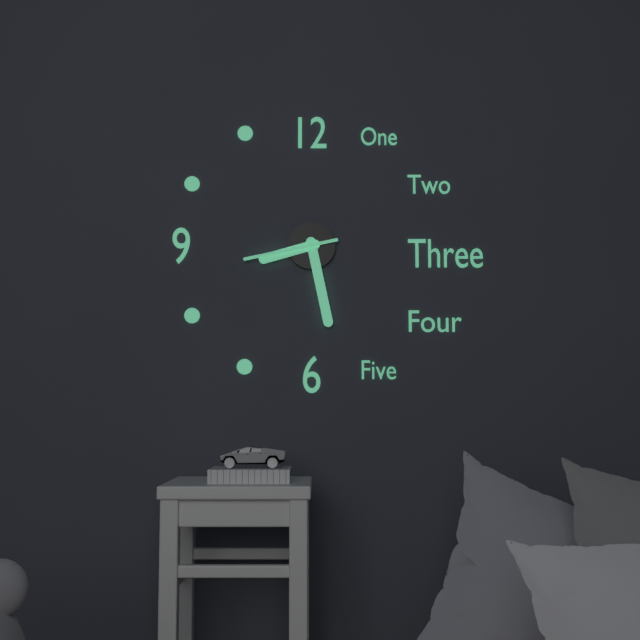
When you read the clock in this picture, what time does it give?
8:28:43
